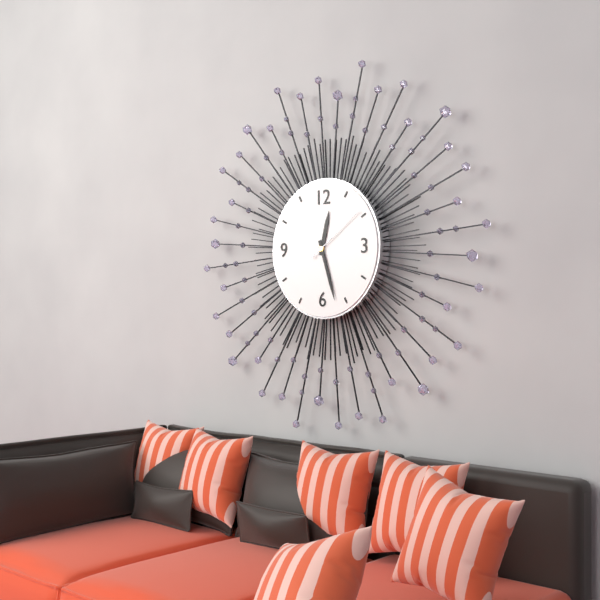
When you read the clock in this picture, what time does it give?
12:27:09
